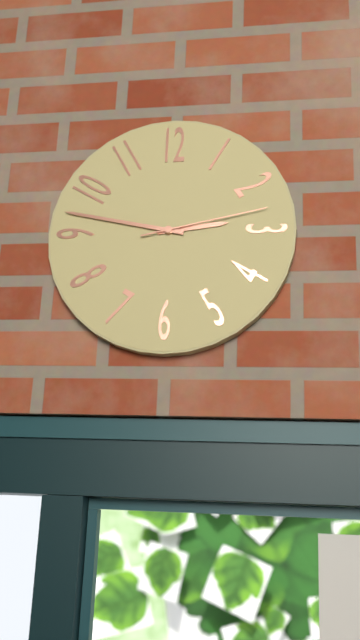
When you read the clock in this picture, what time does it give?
2:47:13
